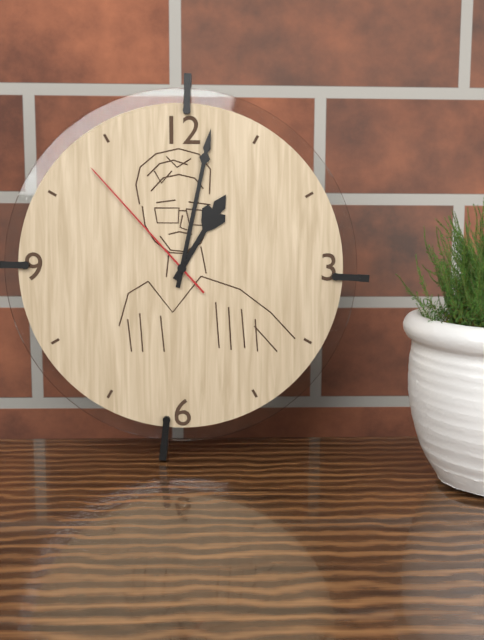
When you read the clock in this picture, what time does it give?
1:02:53
